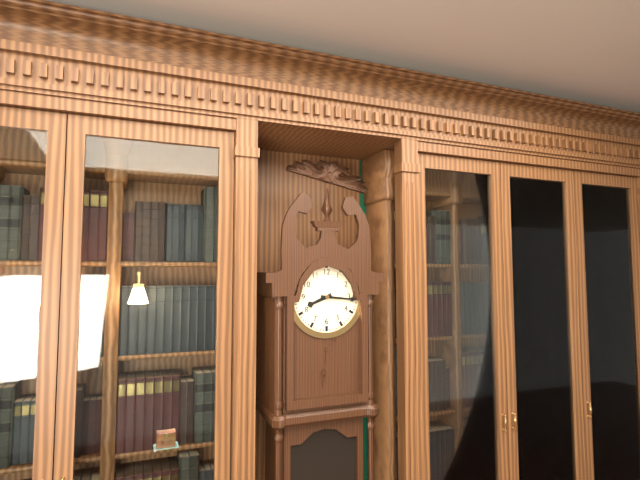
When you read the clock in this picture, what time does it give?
8:16
